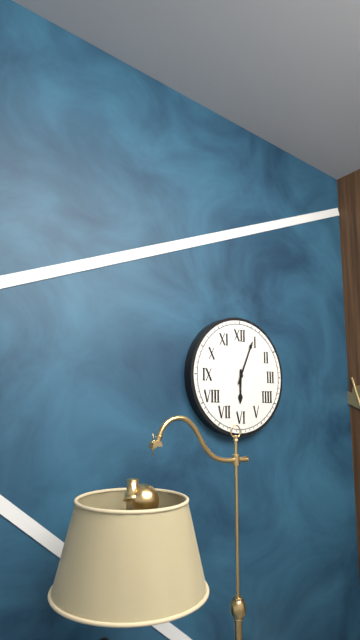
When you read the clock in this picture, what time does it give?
6:04
